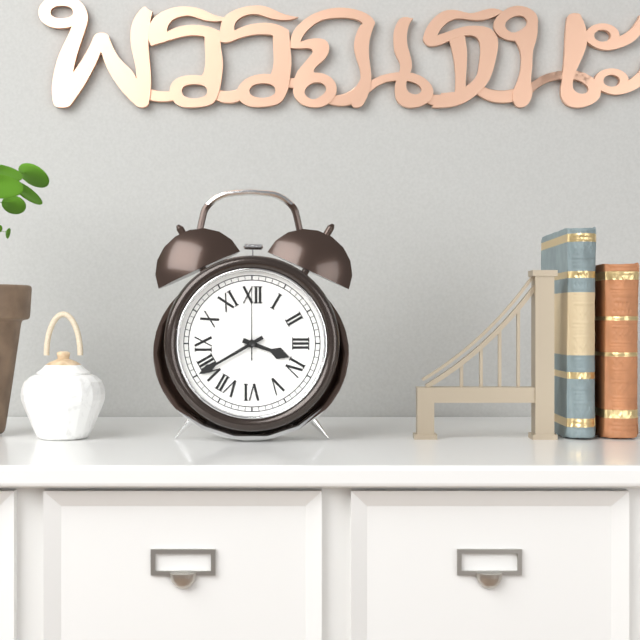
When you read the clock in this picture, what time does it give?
3:40:00
